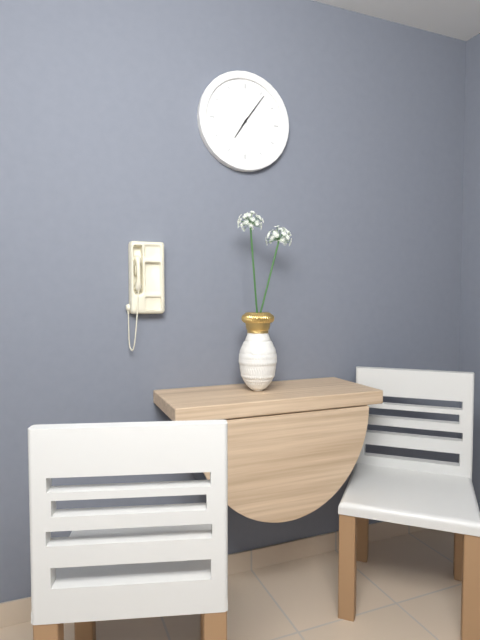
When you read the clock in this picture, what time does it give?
7:06
